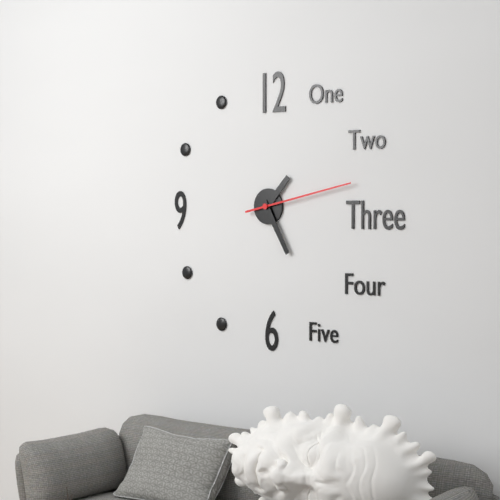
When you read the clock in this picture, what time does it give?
1:25:13
